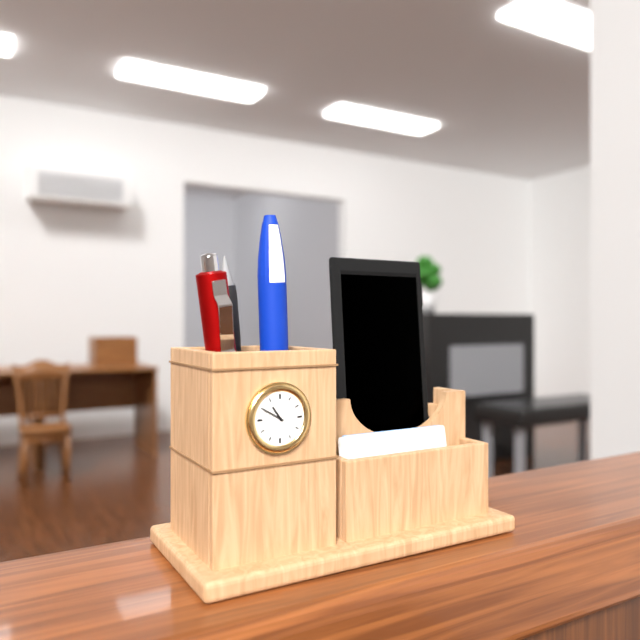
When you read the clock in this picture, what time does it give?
10:50
